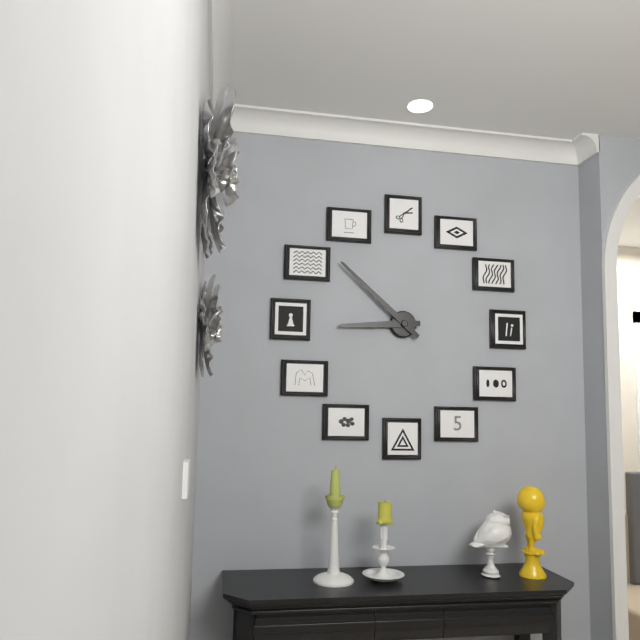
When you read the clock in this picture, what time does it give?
8:52
